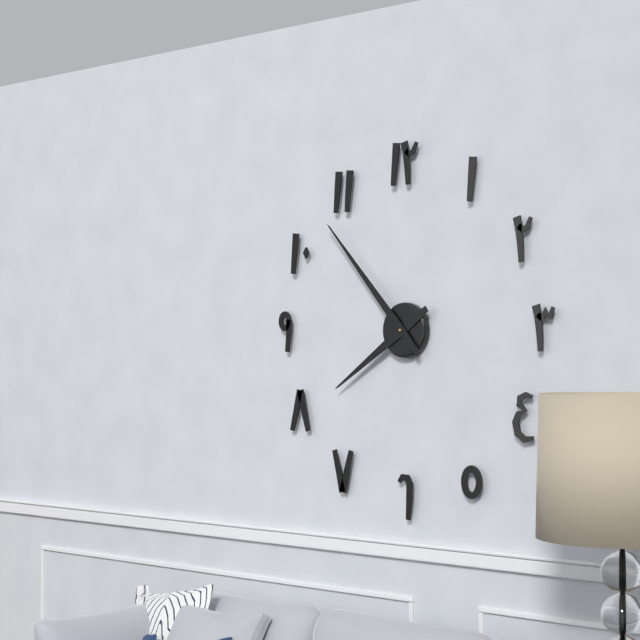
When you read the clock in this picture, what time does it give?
7:53
